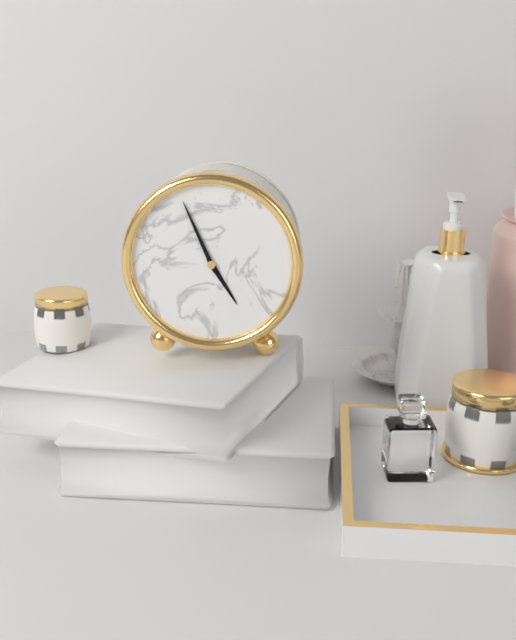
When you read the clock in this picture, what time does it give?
4:56
